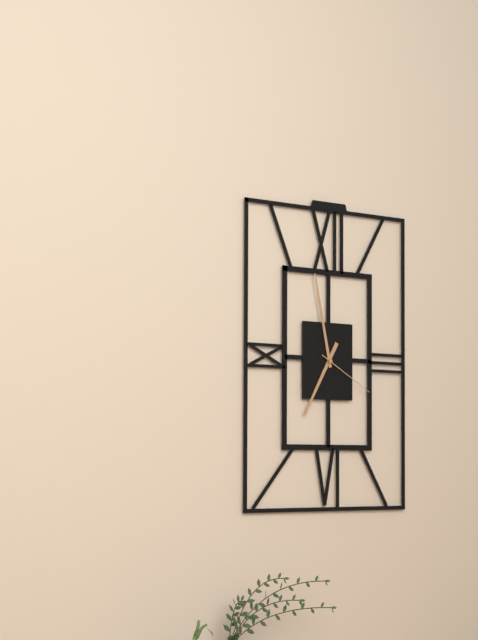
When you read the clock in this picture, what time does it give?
6:58:20
